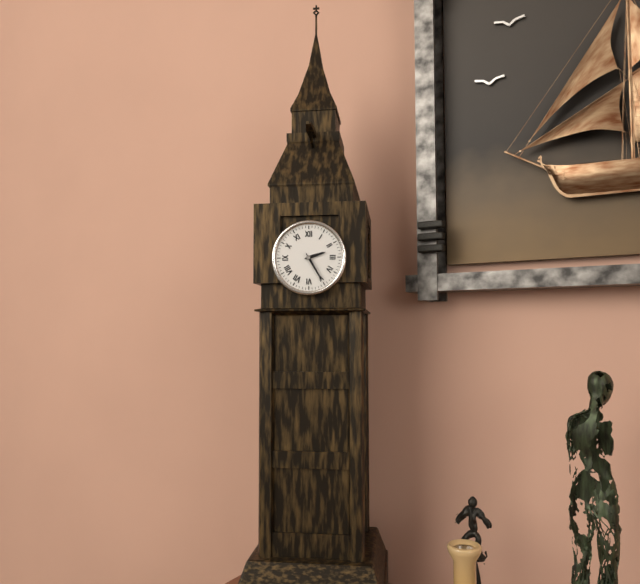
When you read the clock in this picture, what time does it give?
2:25
